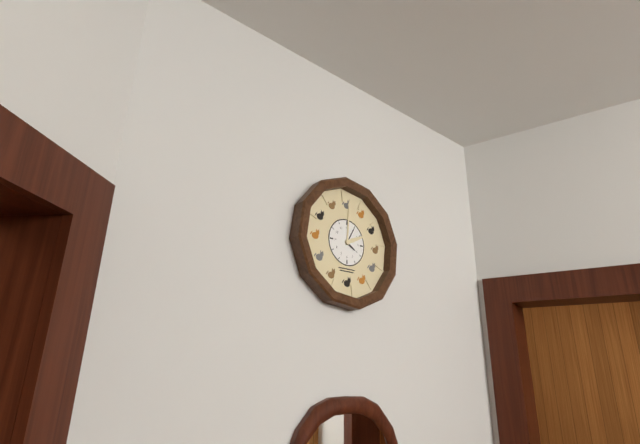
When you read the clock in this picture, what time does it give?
4:05
